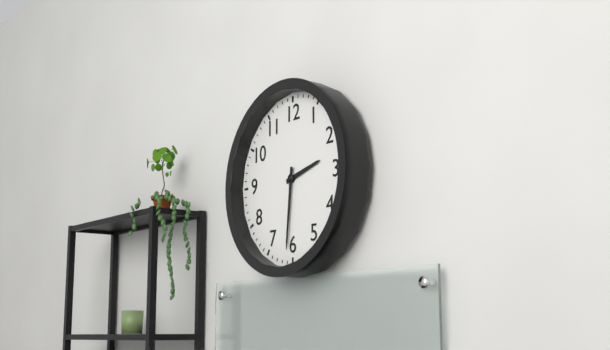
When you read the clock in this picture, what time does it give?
2:31
